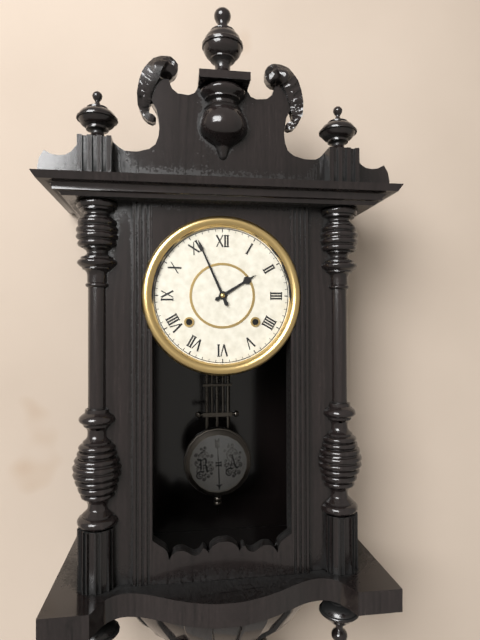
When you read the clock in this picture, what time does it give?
1:56
